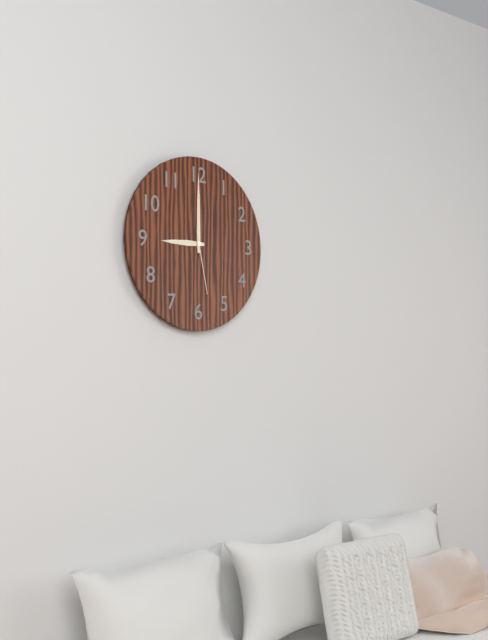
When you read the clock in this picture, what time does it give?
9:00:28
